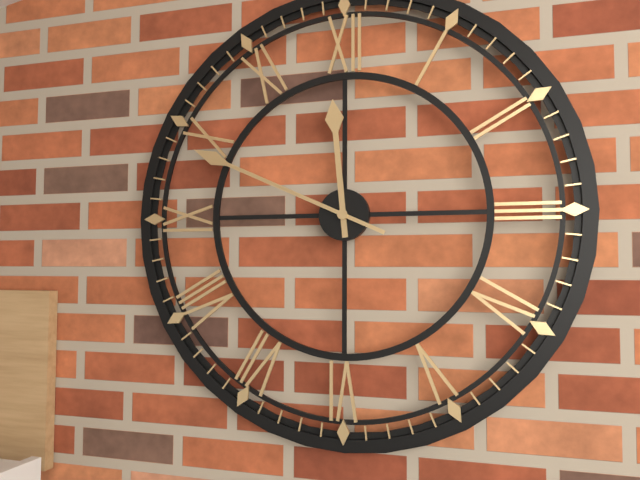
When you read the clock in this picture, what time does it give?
11:49
